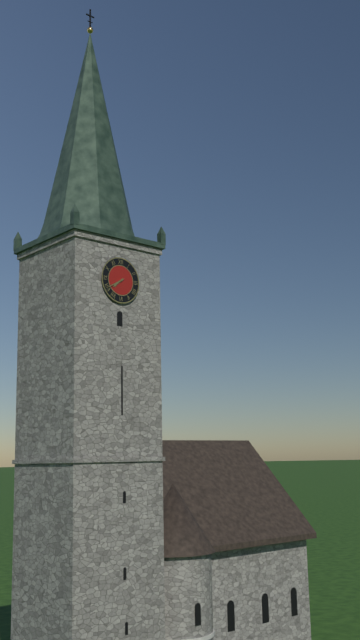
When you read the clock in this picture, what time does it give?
7:40
